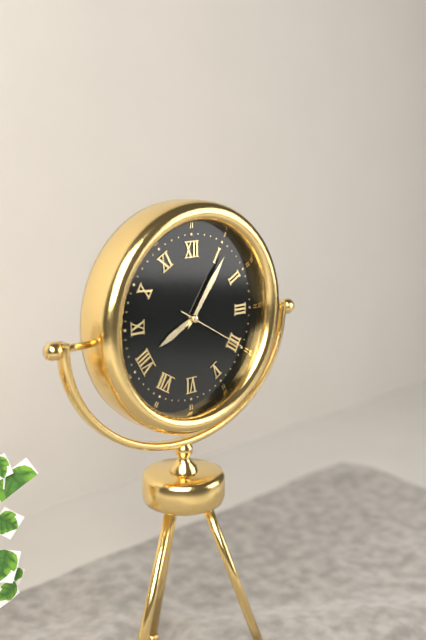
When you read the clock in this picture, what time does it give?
8:06:20
